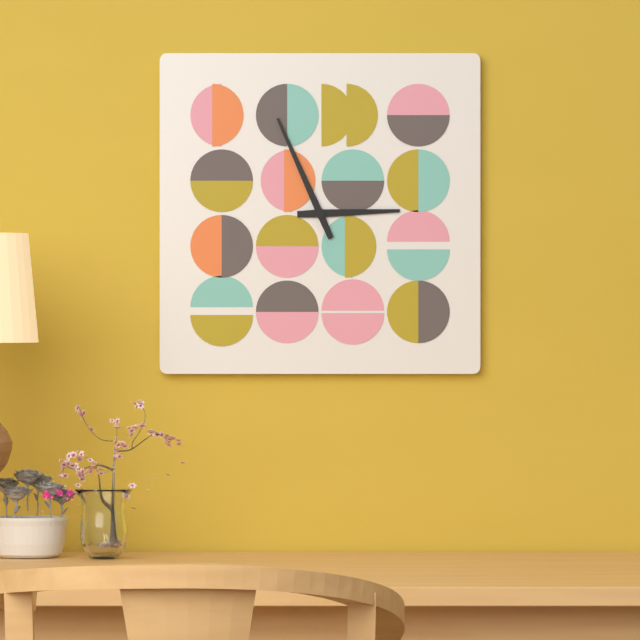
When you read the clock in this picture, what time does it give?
2:56
